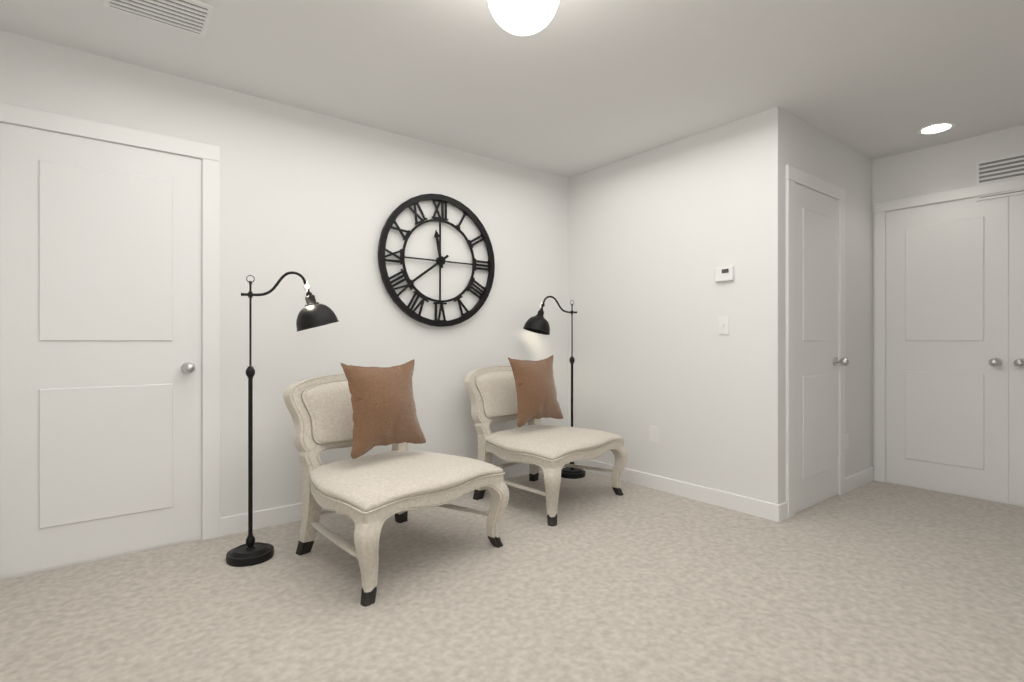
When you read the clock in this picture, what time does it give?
11:39
